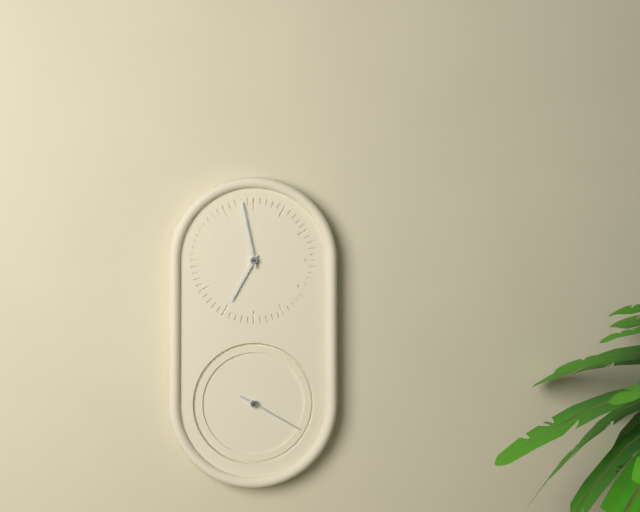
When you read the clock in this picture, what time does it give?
6:58:20
